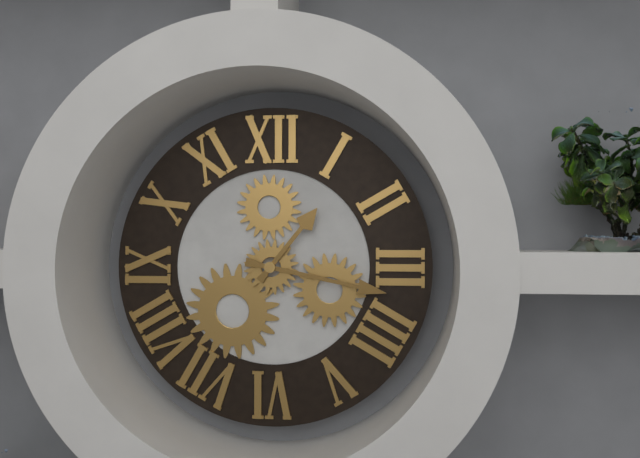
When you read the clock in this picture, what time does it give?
1:17
